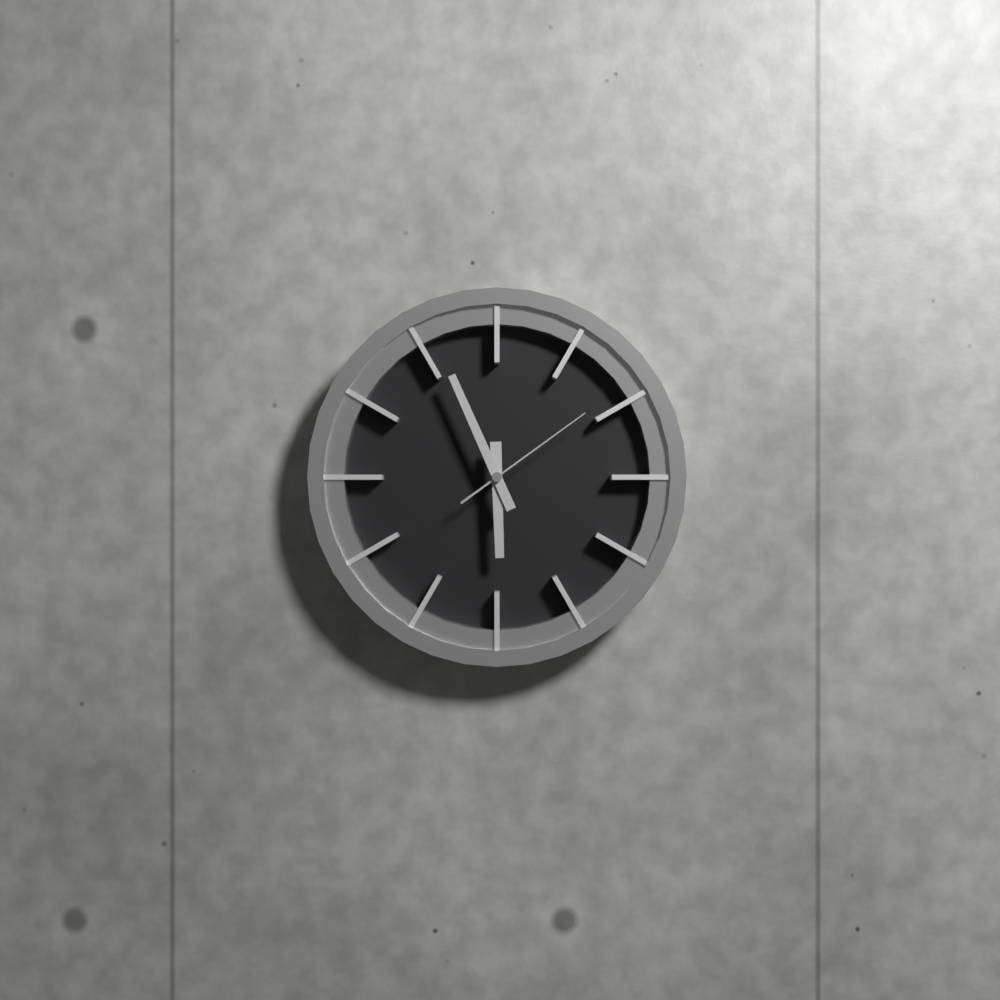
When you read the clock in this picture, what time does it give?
5:56:09
